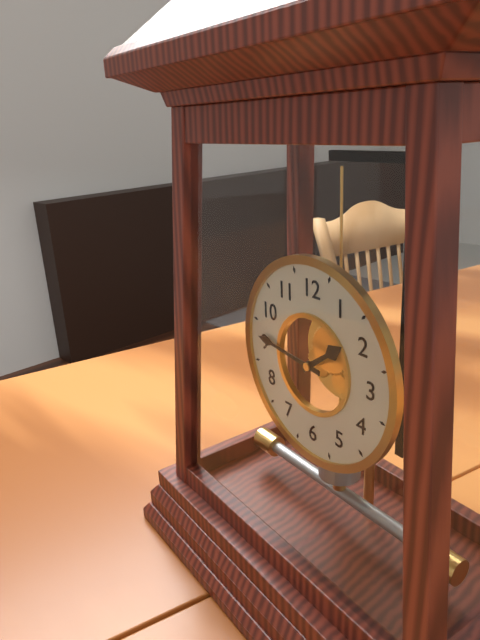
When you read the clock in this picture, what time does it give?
1:46
